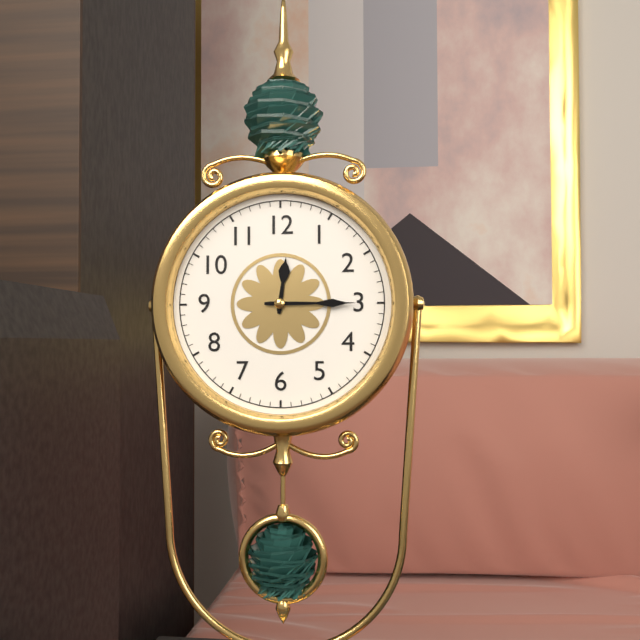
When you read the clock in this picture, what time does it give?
12:15
